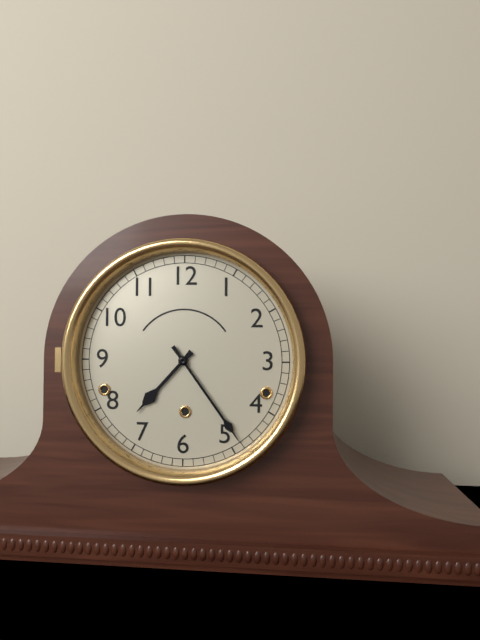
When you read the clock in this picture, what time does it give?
7:24
